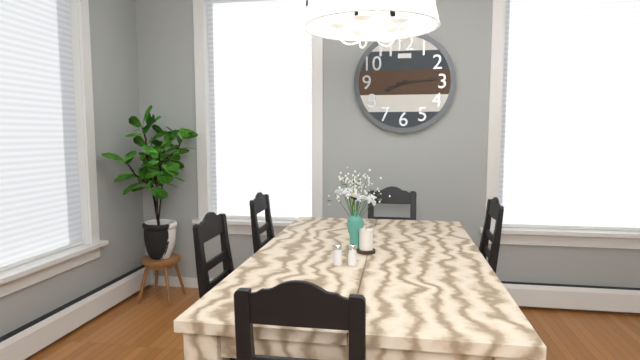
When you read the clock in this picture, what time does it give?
8:14
